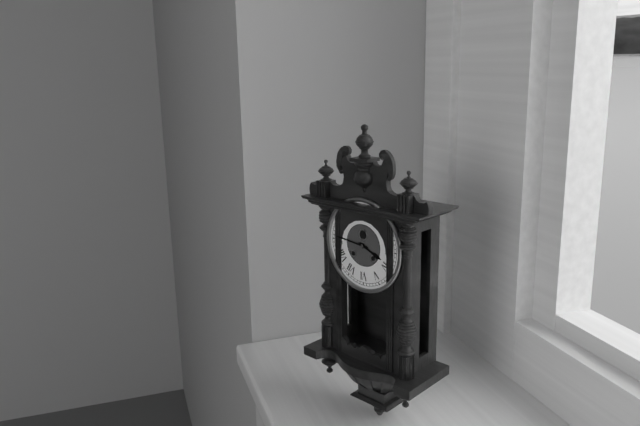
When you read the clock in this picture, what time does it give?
3:46
